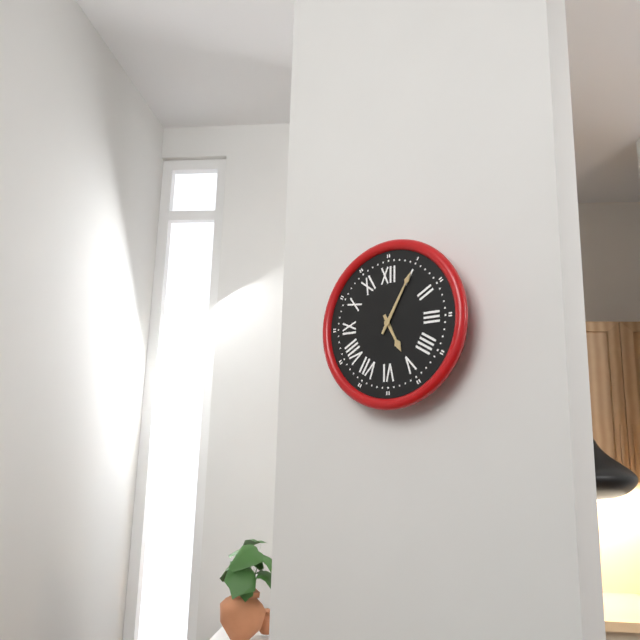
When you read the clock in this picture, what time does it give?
5:05
